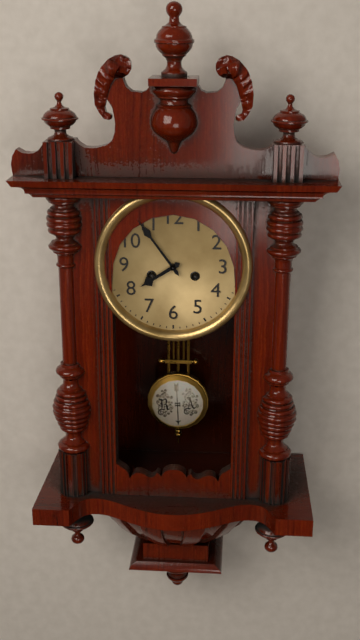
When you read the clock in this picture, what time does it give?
7:54
